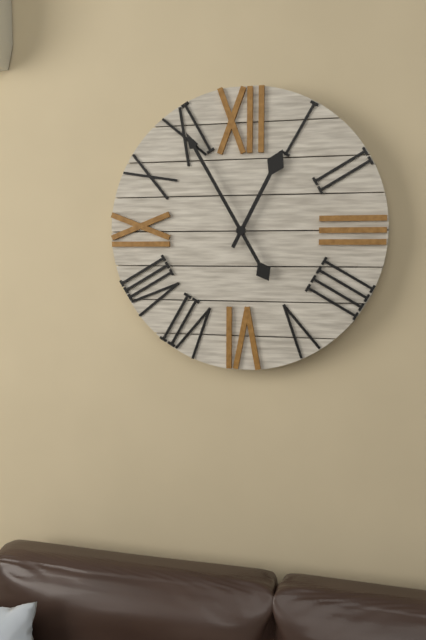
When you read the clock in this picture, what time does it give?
12:55
